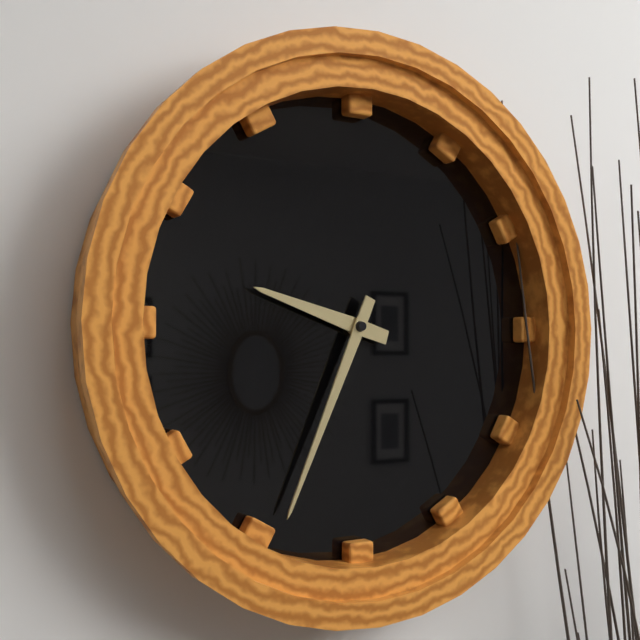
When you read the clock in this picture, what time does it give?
9:34
